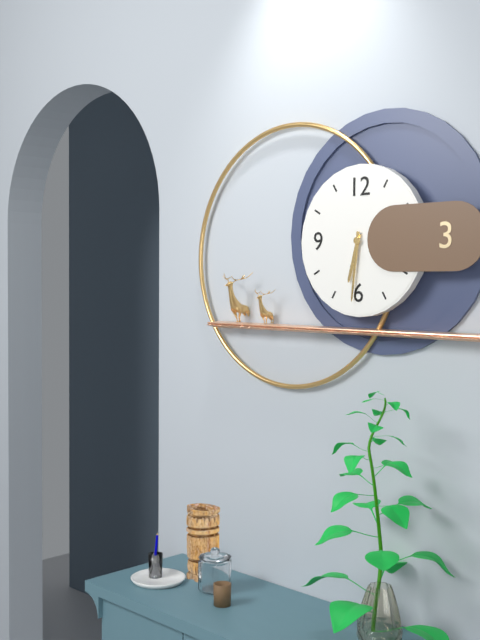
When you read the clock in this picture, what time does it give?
6:31
